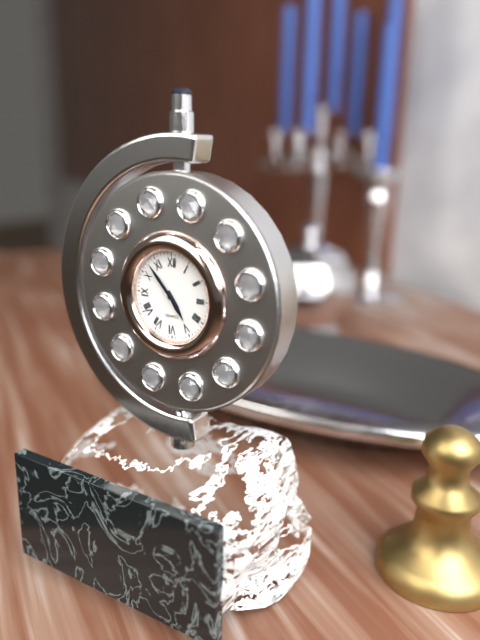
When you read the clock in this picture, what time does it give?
4:53
